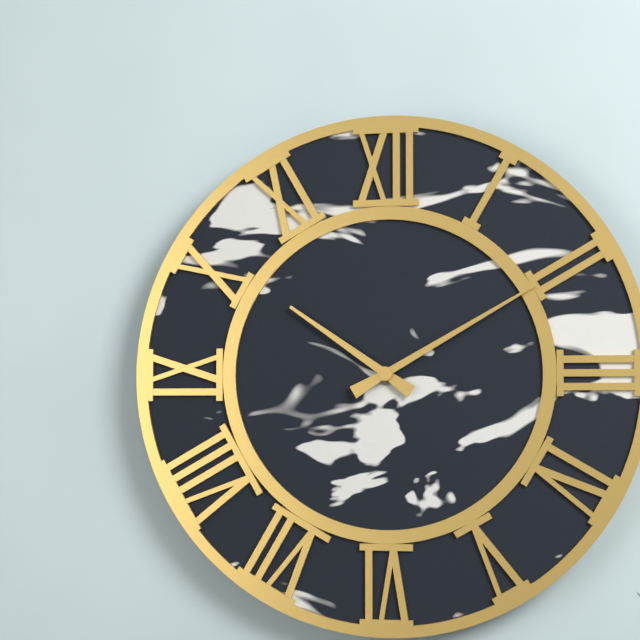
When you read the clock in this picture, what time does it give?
10:10
